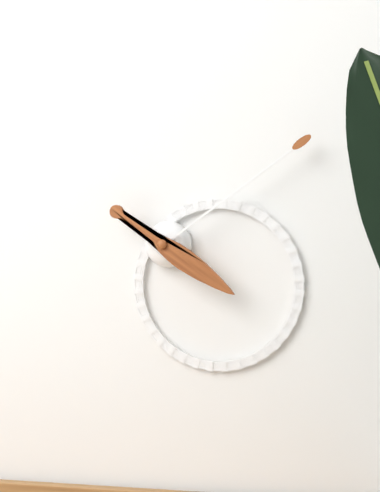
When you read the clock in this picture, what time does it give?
4:09
